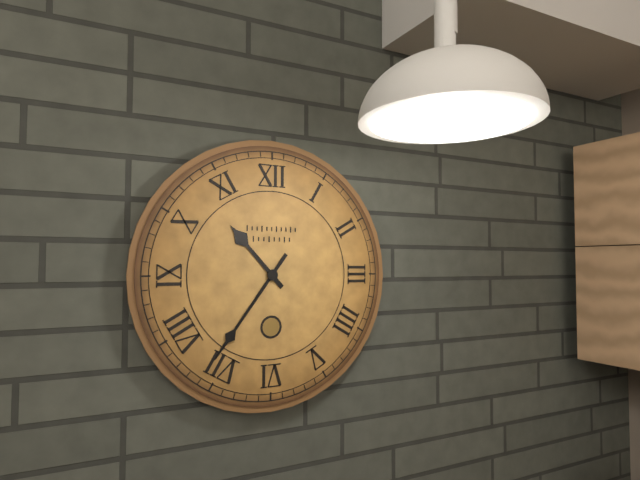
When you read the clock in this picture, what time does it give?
10:36
